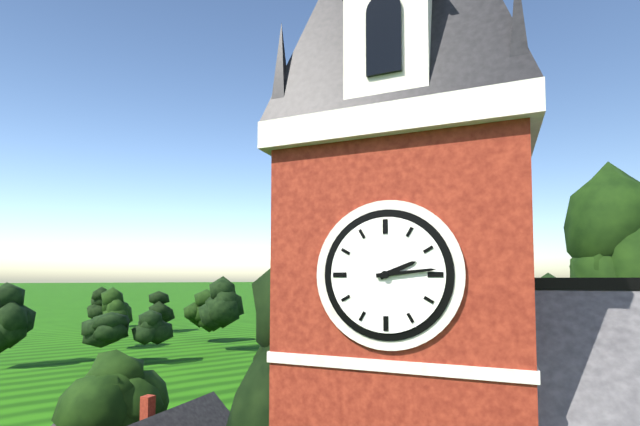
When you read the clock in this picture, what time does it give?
2:14
